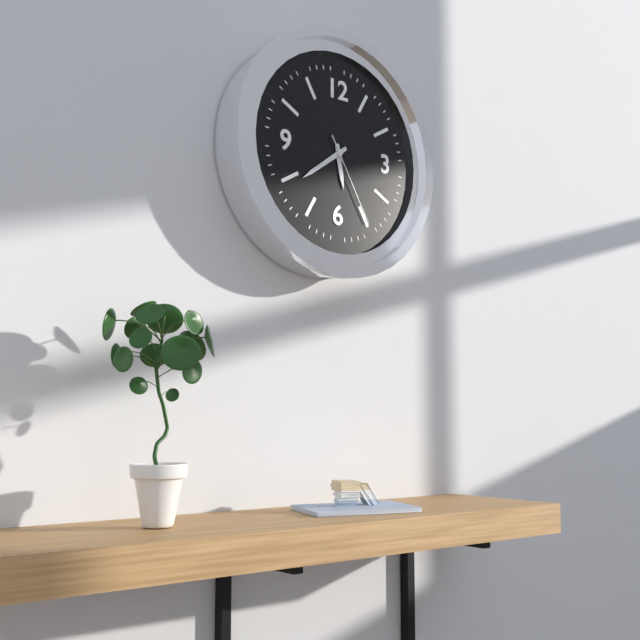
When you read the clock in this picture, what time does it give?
5:39:25
